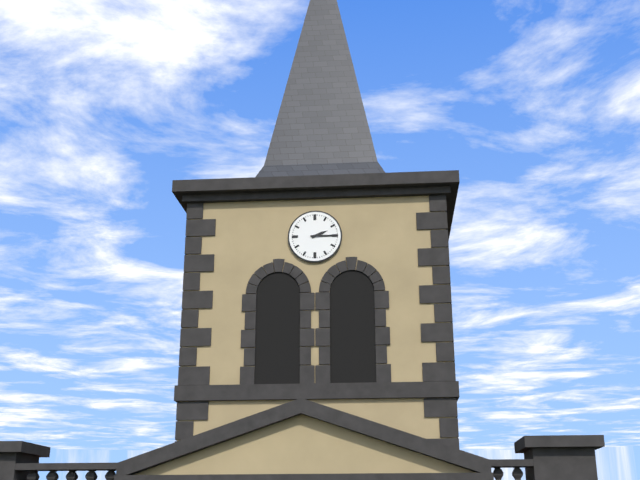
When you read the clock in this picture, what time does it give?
2:15
